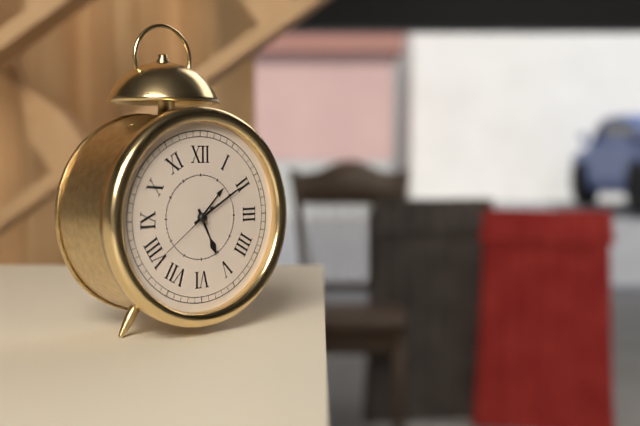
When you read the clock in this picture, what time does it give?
5:10:39
